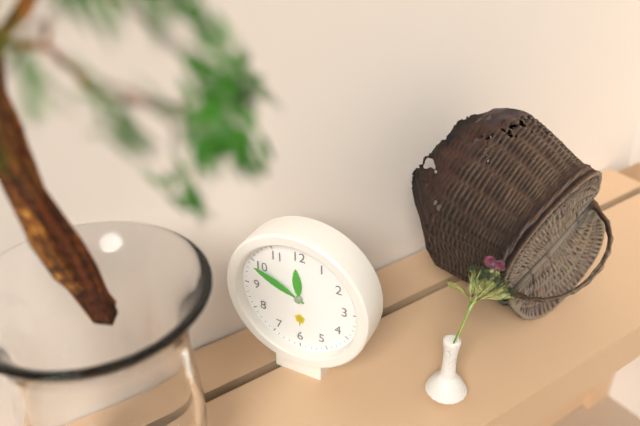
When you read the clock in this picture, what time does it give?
11:49
